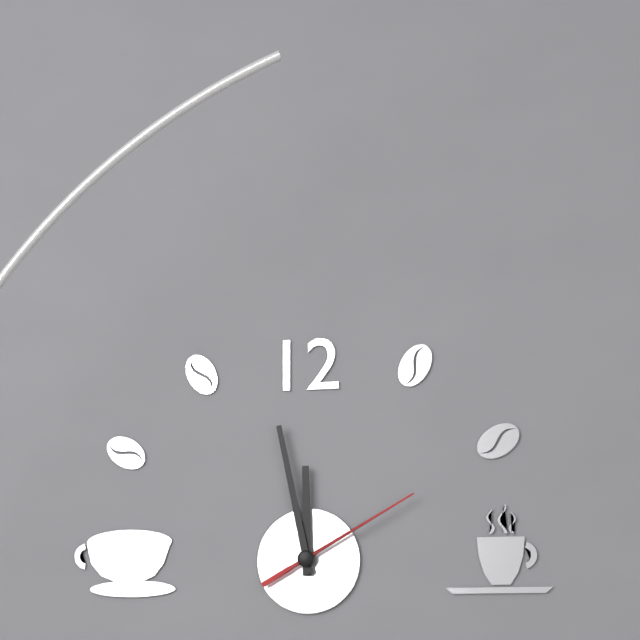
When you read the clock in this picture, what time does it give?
11:58:10
